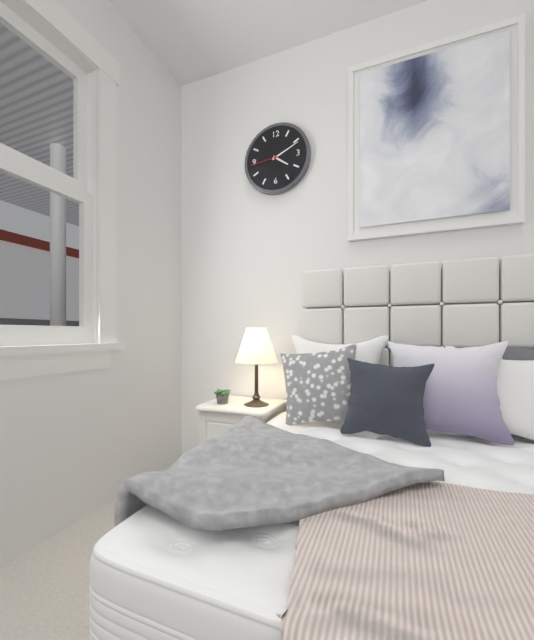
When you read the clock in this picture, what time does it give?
4:11
